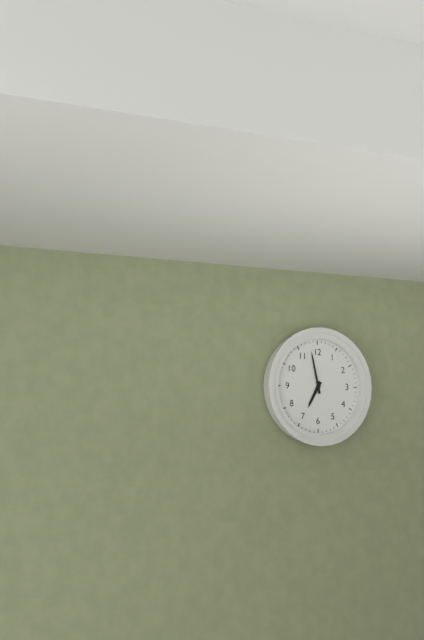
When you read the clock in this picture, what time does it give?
6:58
